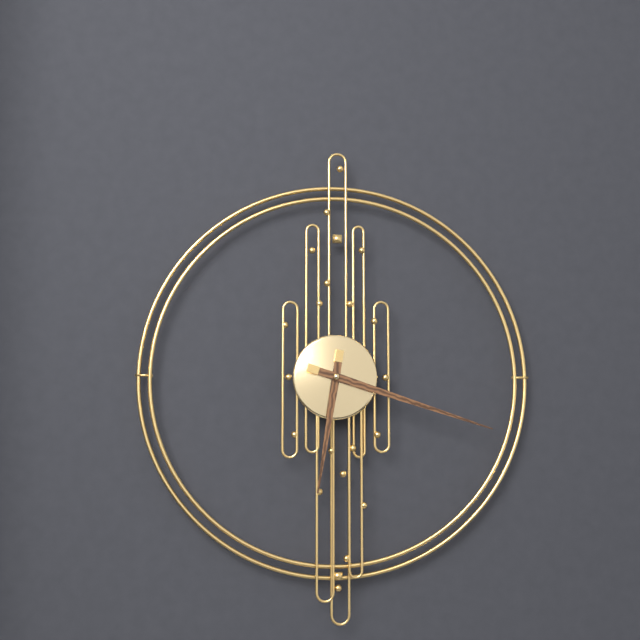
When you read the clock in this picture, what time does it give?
6:18
